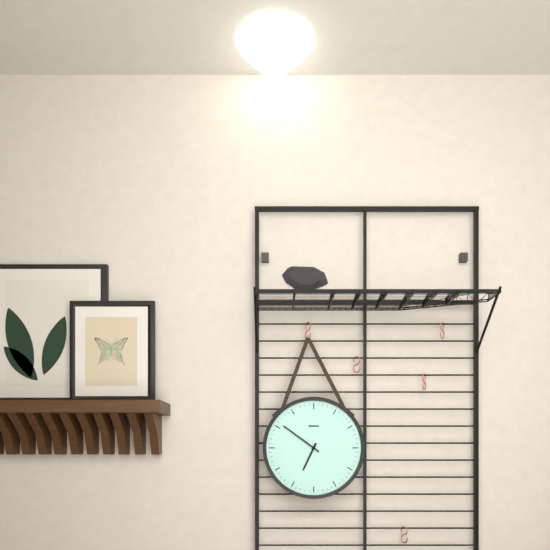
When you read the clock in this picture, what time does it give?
6:51
